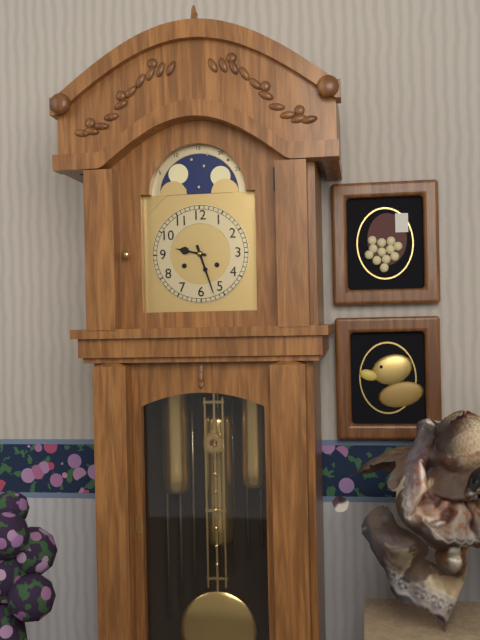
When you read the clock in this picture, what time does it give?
9:27
